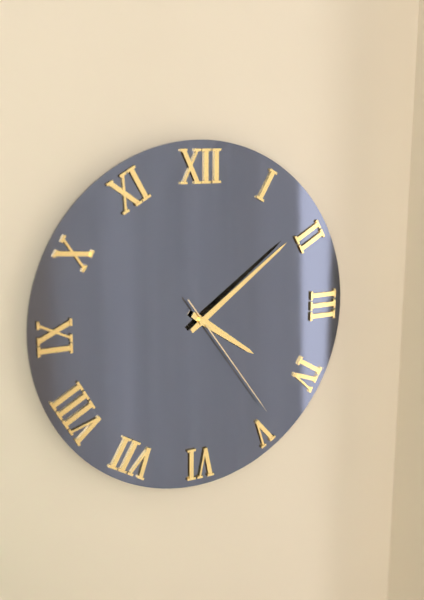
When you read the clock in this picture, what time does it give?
4:09:24
